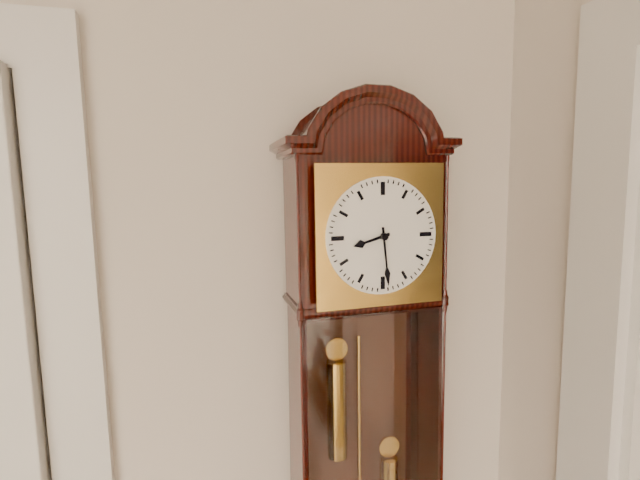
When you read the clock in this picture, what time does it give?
8:29
